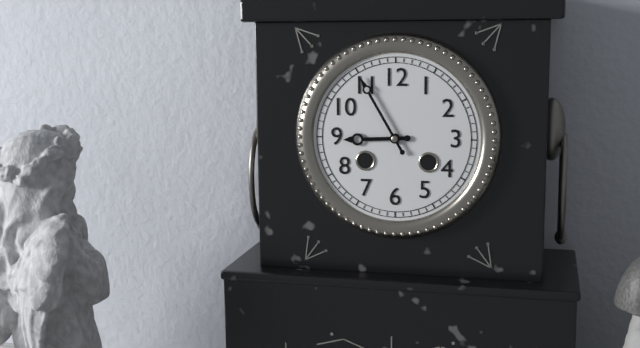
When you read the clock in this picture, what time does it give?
8:55
